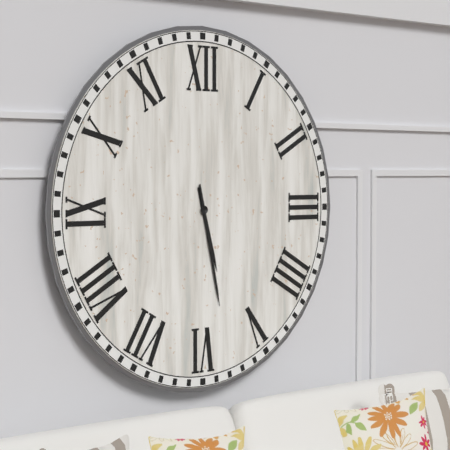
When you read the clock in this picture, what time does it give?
5:28
